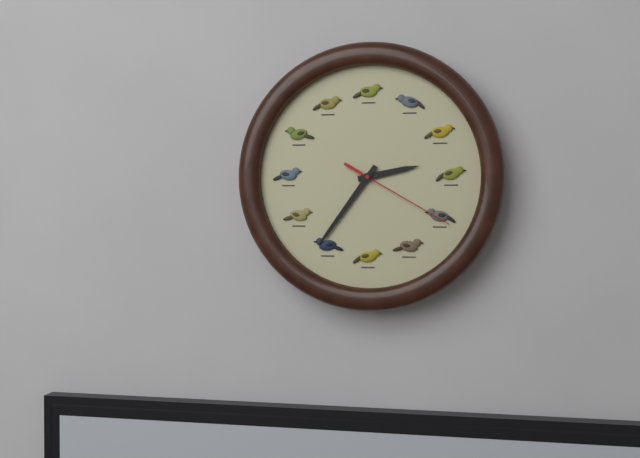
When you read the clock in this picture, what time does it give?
2:36:20
